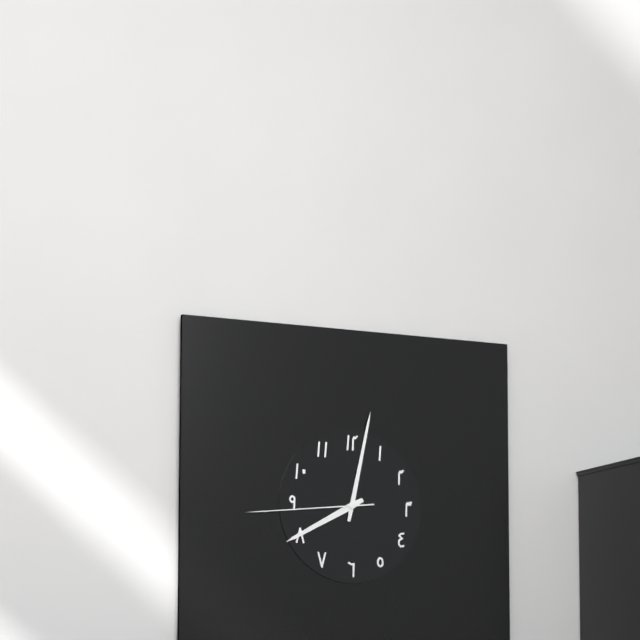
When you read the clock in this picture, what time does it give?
8:02:44
